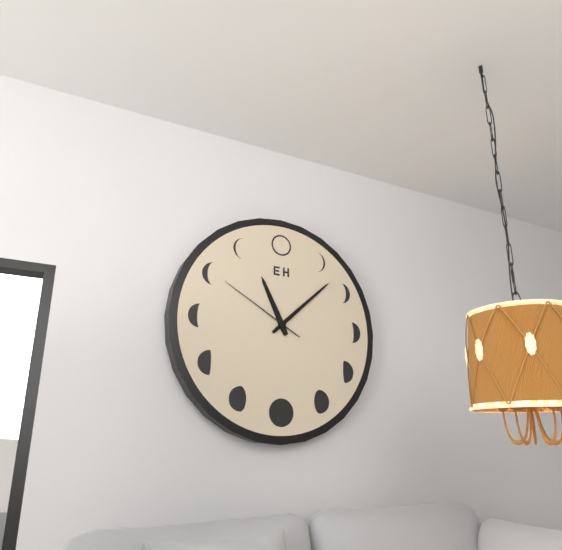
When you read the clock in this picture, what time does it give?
11:08:50
